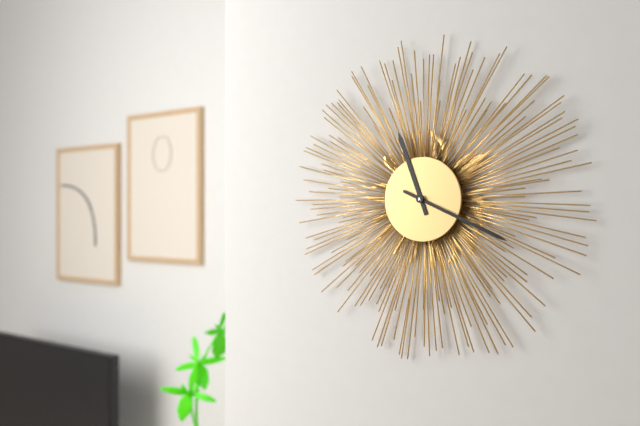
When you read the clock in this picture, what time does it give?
11:19
